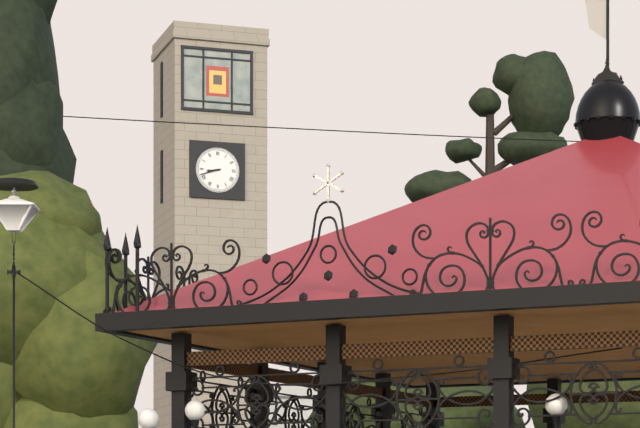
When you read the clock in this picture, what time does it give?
8:42
